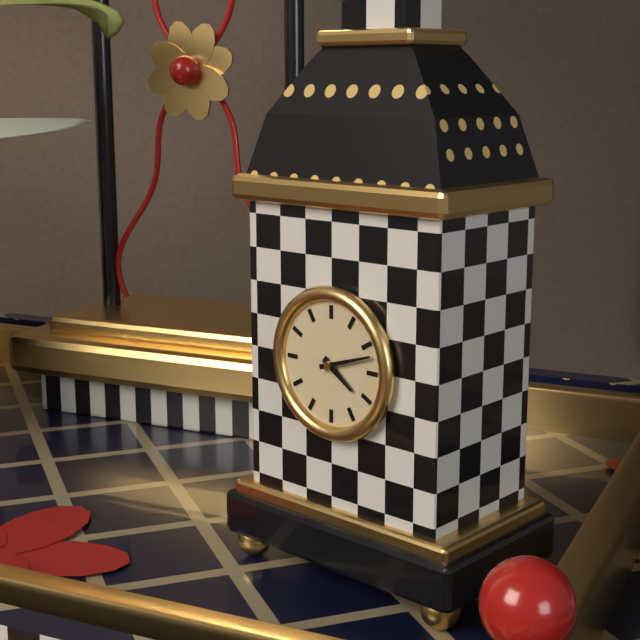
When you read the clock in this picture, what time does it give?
4:12
